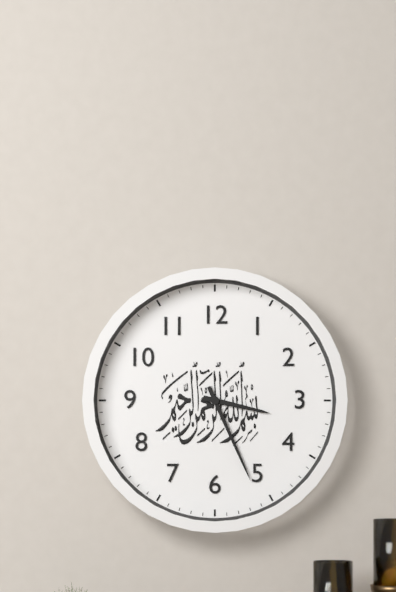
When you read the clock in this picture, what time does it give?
3:26
